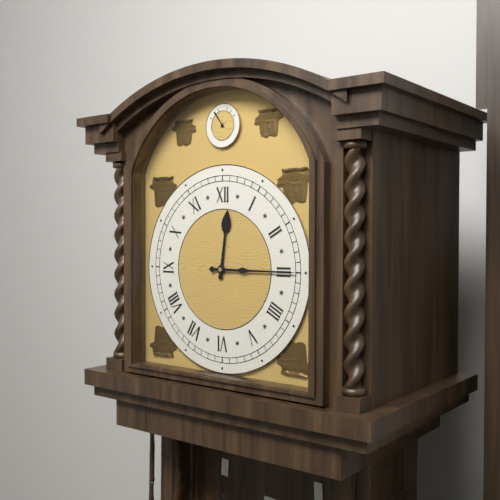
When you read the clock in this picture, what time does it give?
12:15
